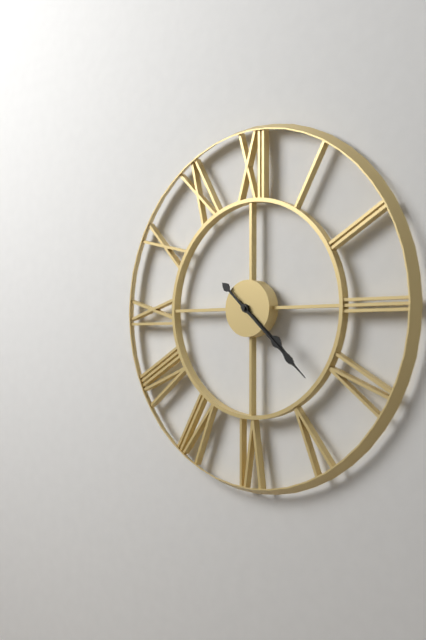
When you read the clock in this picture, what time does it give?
4:22
